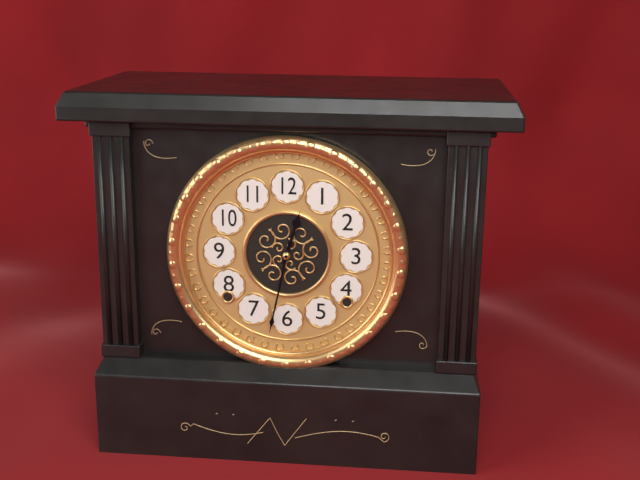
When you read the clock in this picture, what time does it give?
12:32
